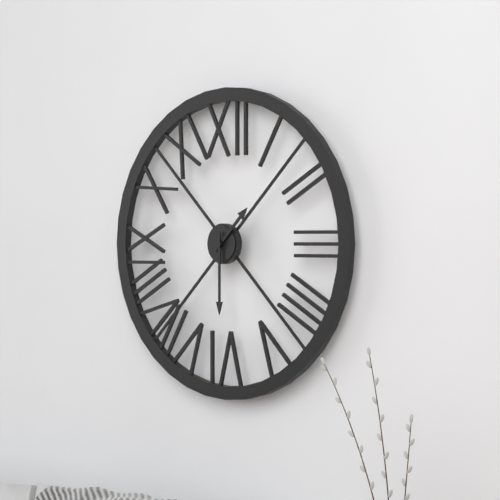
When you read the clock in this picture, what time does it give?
1:30
